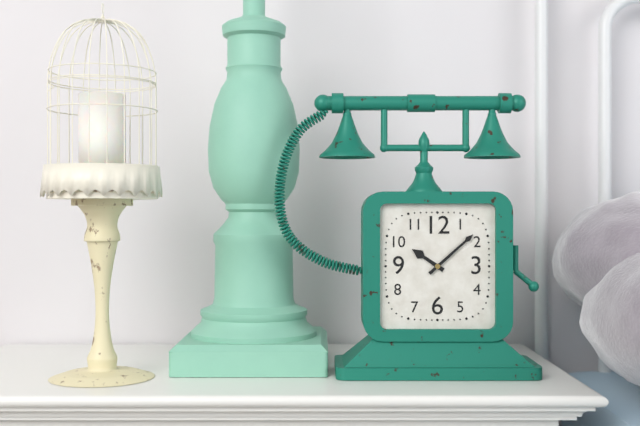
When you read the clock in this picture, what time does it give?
10:08
